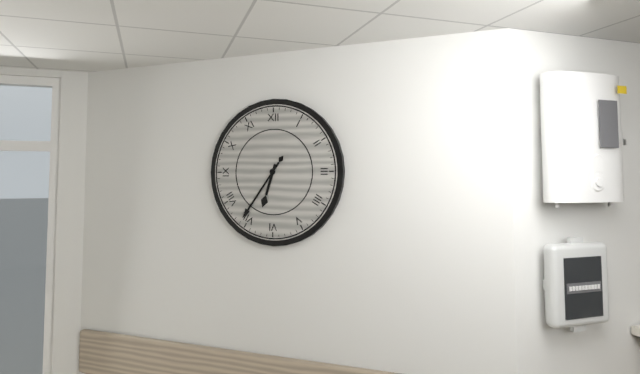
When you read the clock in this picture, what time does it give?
6:36
